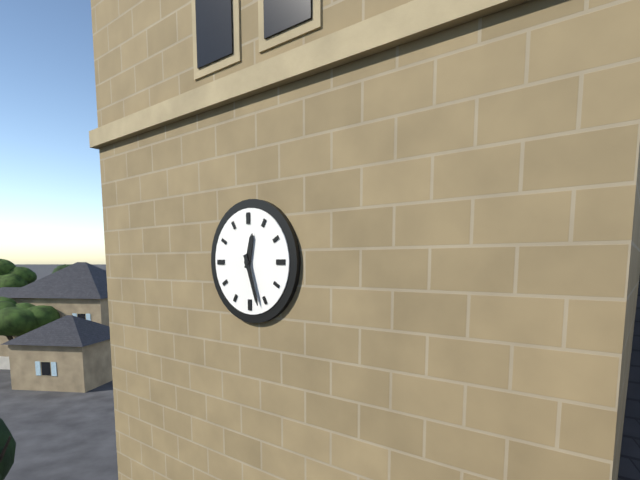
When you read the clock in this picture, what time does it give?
12:27
